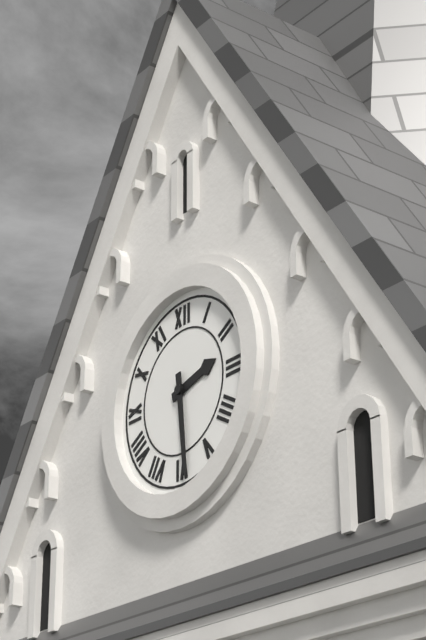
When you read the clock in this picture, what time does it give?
2:29
